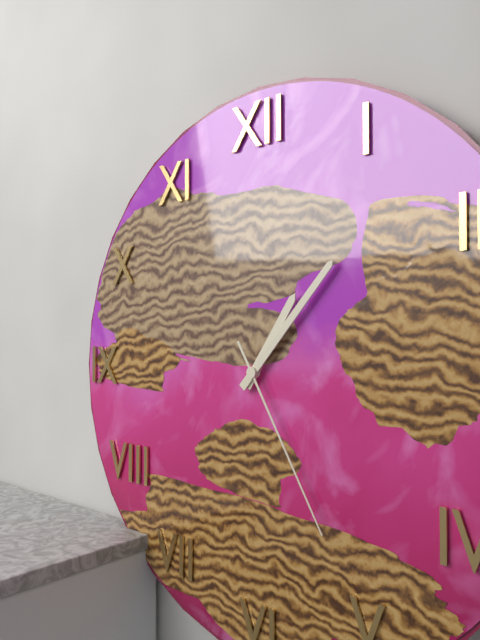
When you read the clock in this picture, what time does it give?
1:07:25
